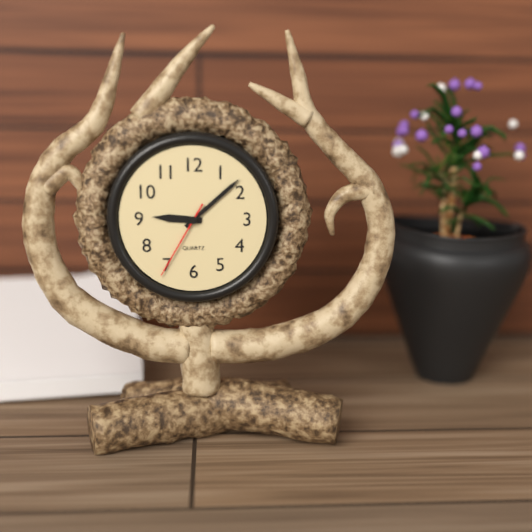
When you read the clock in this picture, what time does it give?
9:08:35
